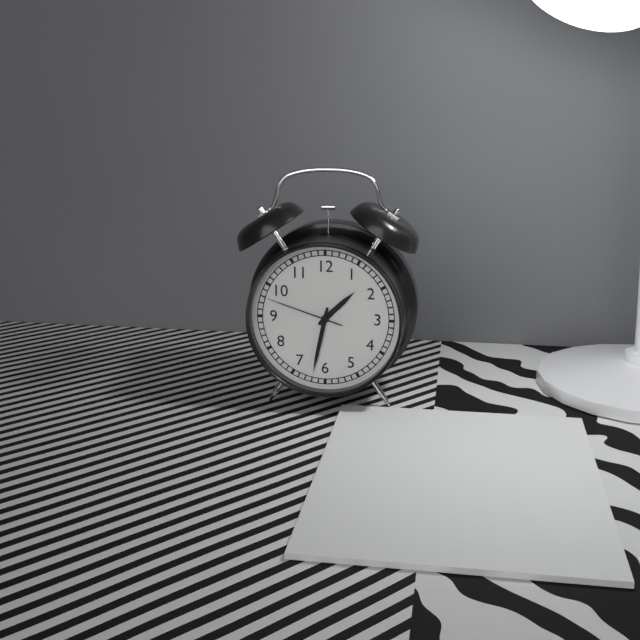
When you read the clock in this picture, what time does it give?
1:32:48
